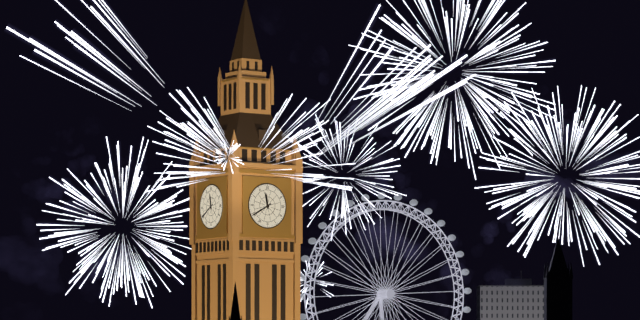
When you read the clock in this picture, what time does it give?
11:40
